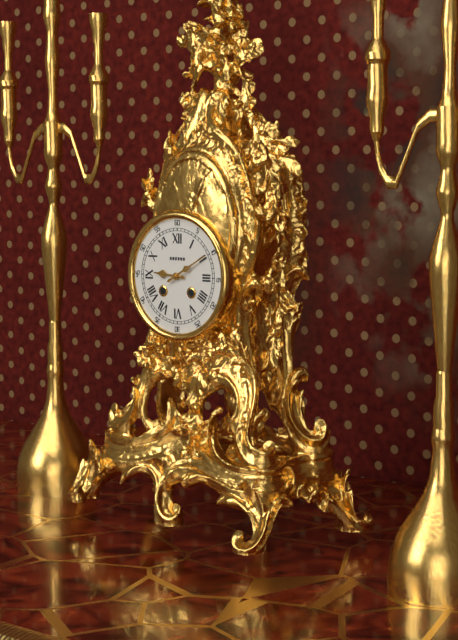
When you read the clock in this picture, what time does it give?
9:10
